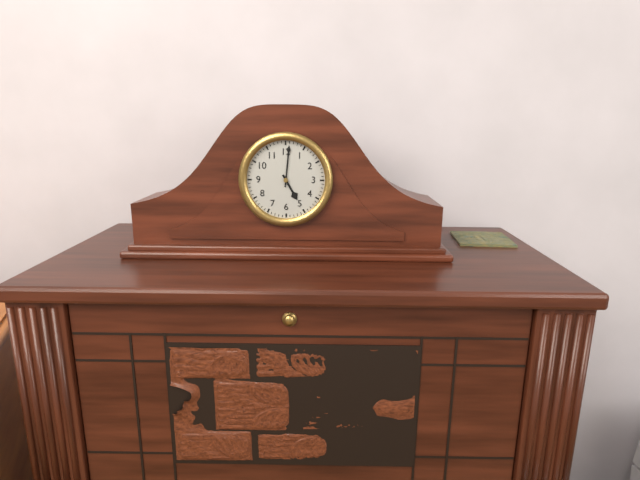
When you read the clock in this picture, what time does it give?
5:01
